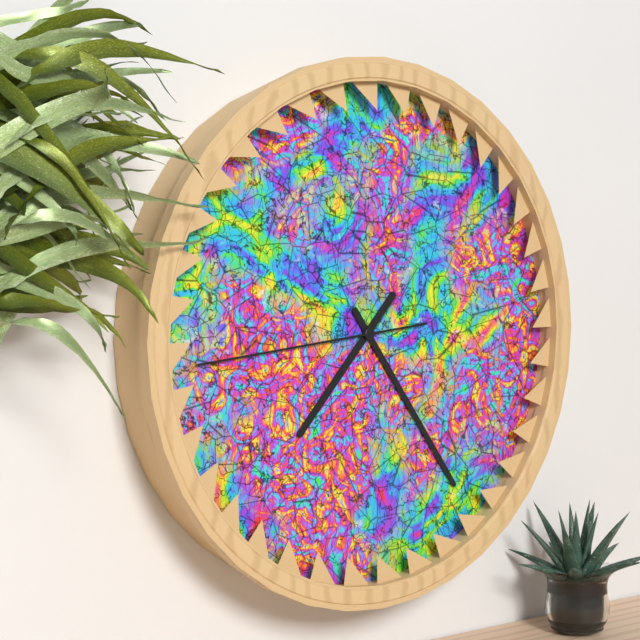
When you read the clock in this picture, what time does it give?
7:24:44
